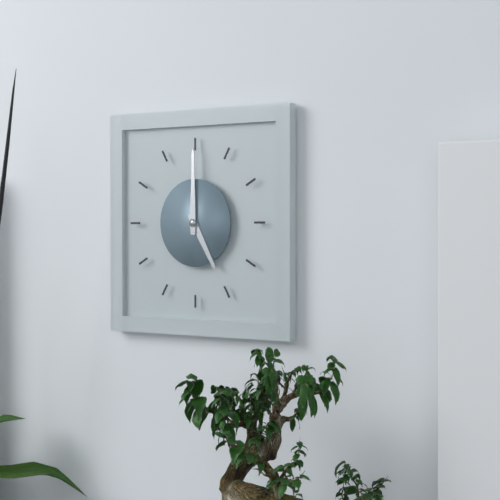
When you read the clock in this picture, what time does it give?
5:00
